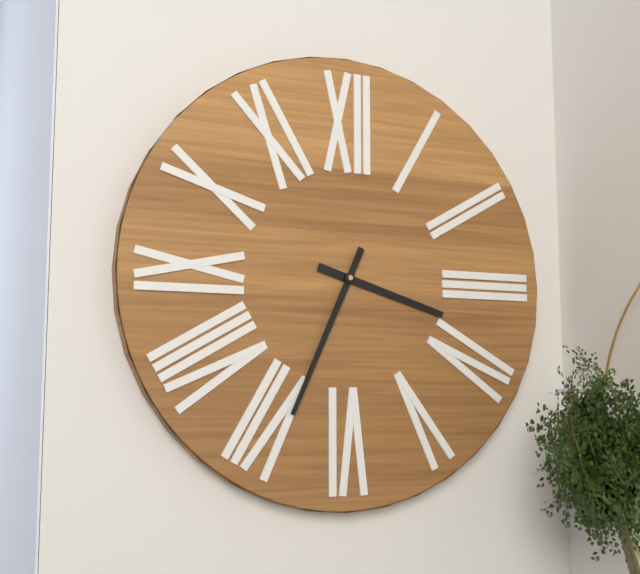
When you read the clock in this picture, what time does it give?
3:34
